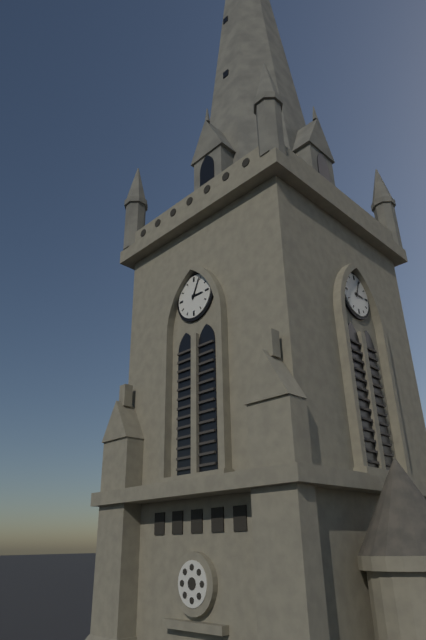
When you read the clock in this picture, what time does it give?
3:04
